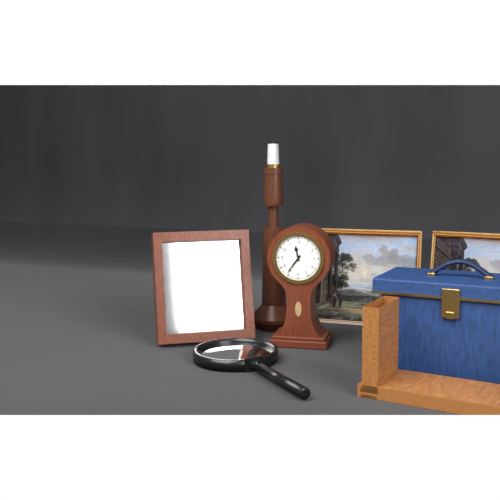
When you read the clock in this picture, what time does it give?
11:36
